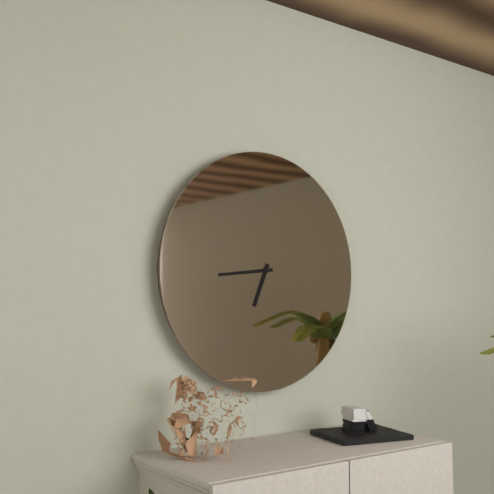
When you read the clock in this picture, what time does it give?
6:44
